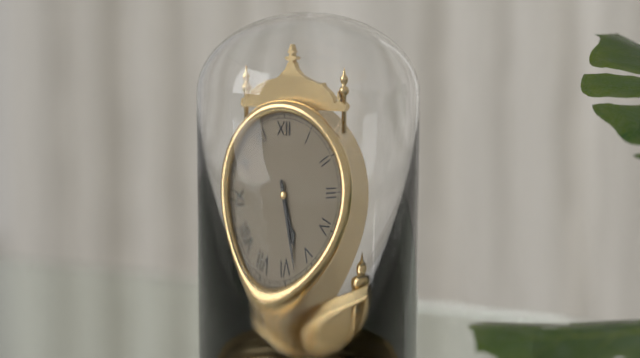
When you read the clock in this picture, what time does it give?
5:28
